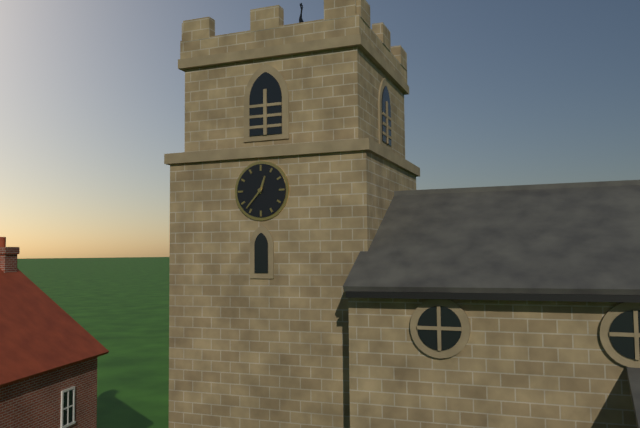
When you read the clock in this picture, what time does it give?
12:37
